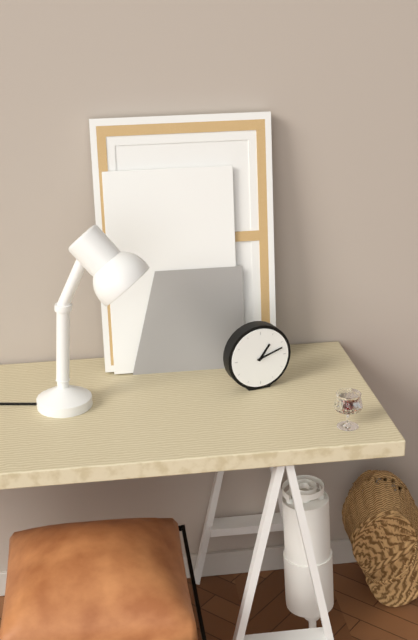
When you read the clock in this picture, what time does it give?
1:12
